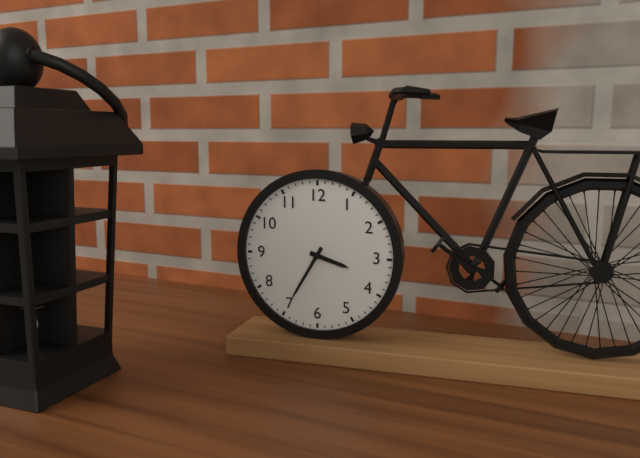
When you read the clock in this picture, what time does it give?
3:35
